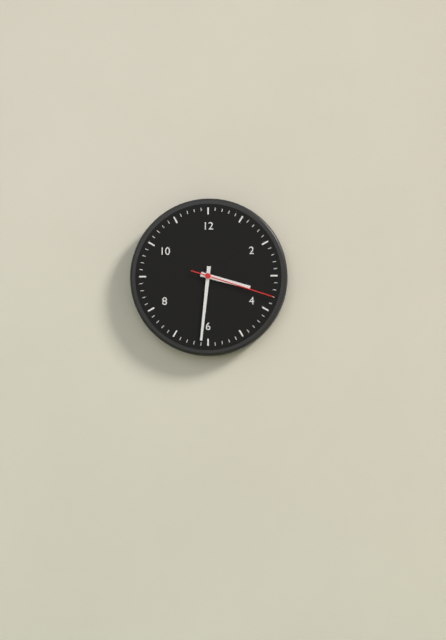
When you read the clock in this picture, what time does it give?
3:31:18
